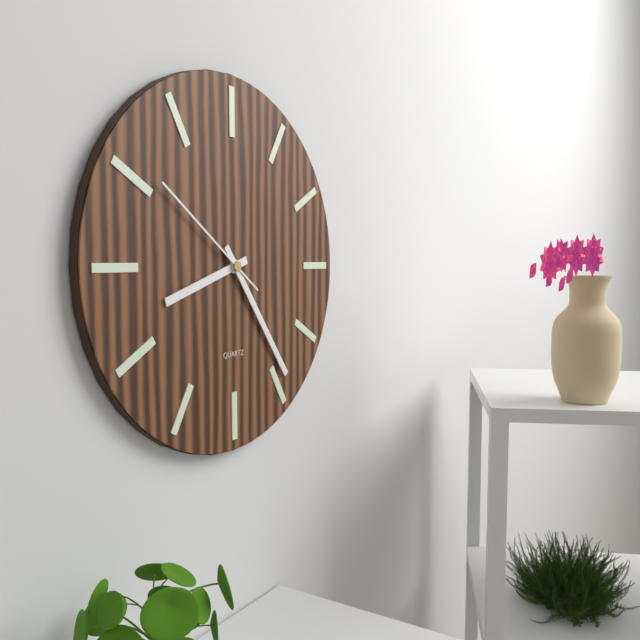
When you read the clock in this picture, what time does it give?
8:24:51
